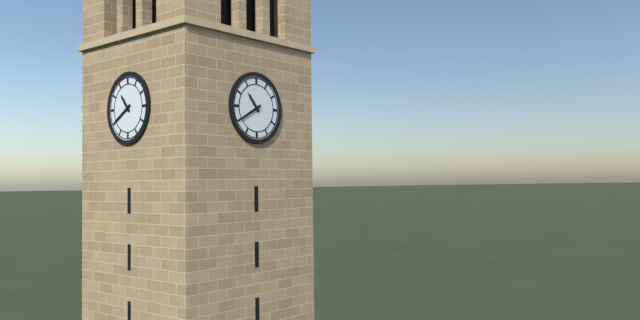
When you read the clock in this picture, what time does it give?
10:40
